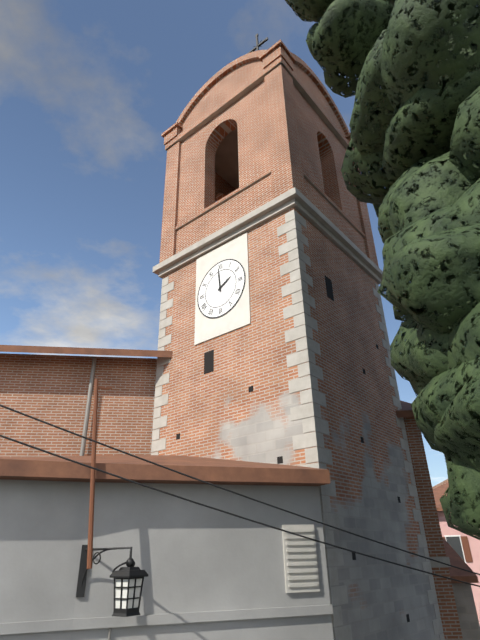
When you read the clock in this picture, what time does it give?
1:59
